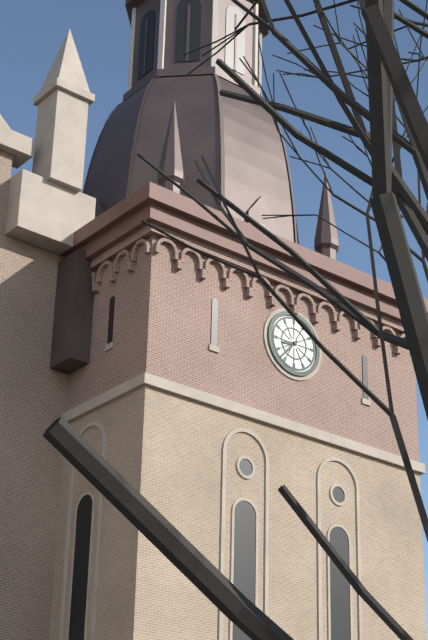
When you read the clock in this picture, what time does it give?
8:37
